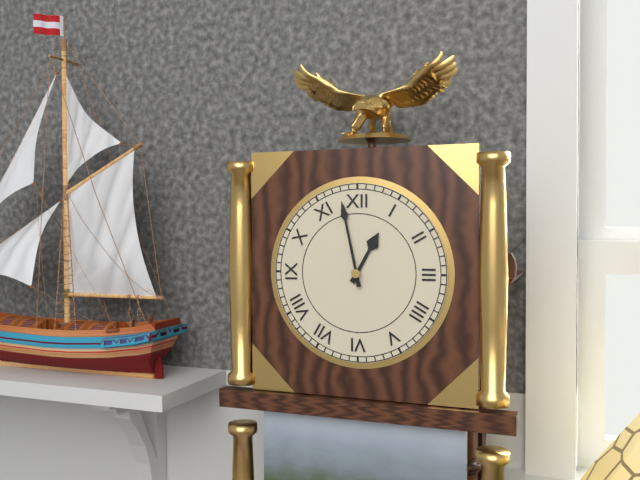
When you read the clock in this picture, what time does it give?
12:58
